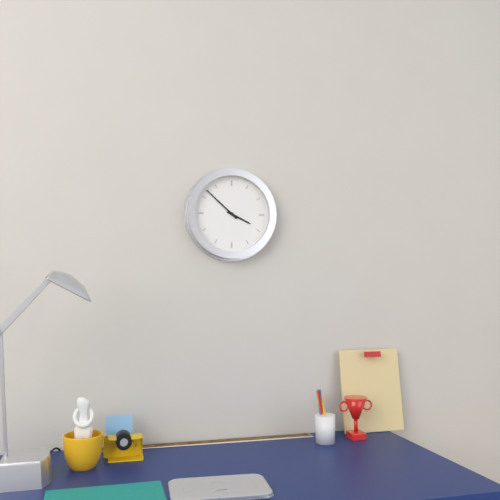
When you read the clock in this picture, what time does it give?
3:52
